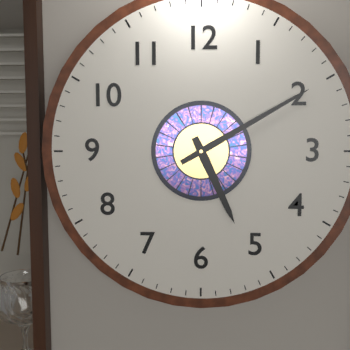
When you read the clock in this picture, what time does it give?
5:10
